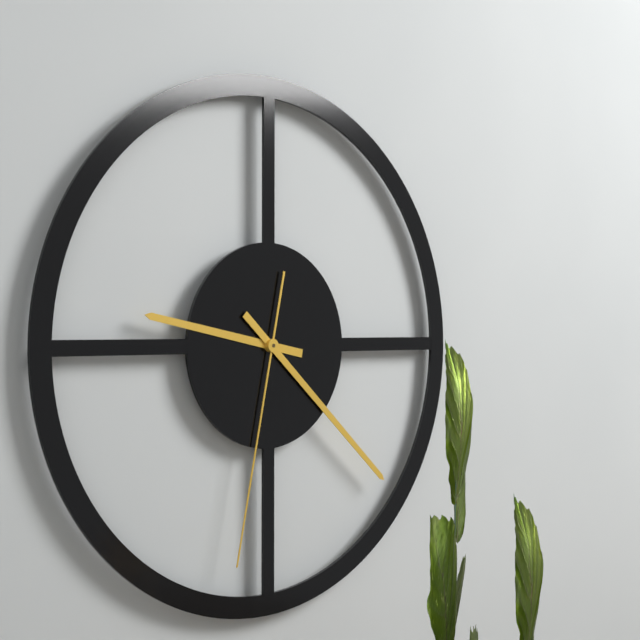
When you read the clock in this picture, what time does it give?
9:22:32
